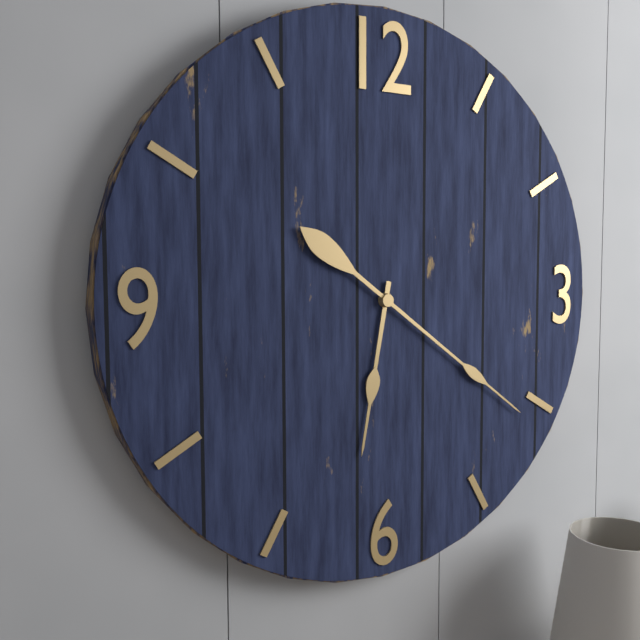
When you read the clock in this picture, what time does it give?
6:21
